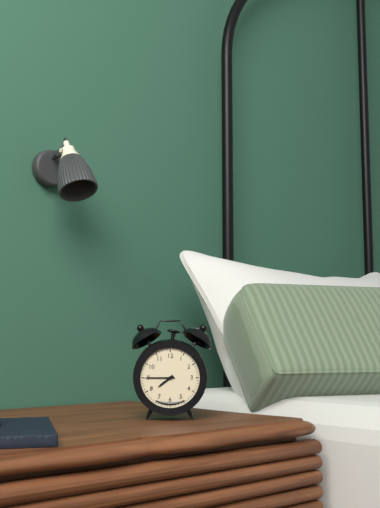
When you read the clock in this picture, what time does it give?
7:45
